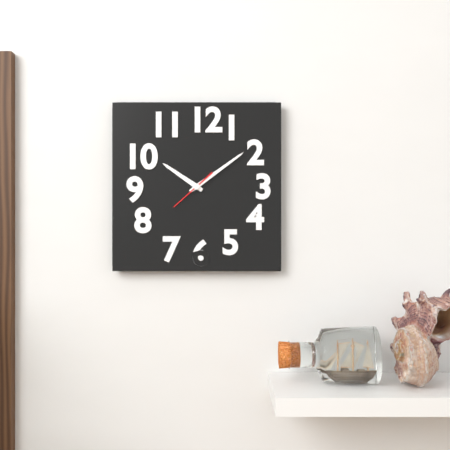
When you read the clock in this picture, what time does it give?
10:09
